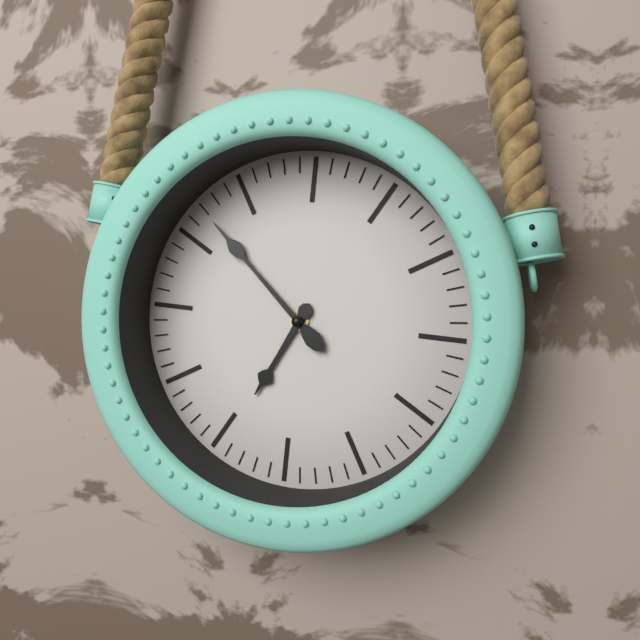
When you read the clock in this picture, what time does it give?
6:52
